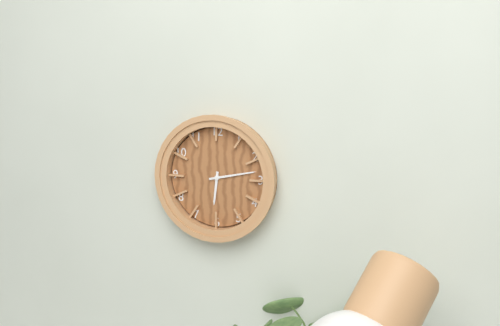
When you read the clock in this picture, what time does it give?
6:13
